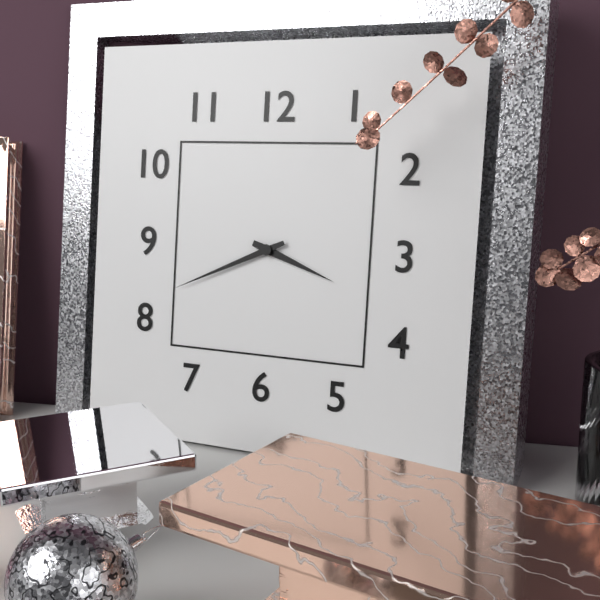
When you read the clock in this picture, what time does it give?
3:41
